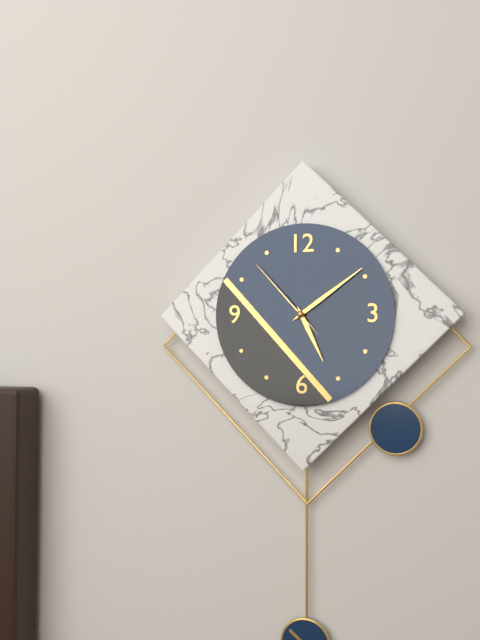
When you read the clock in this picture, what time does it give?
5:09:53
